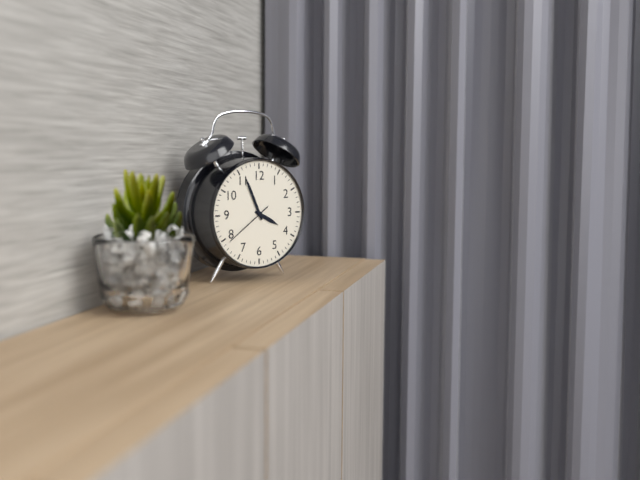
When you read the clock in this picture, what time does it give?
3:56
